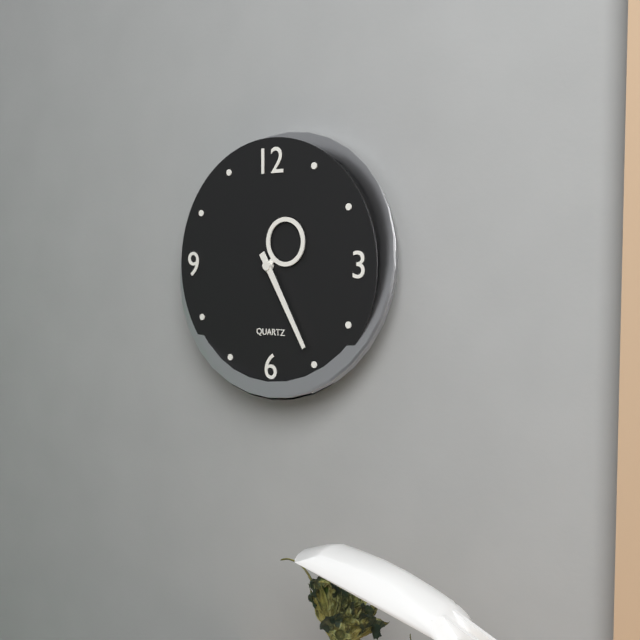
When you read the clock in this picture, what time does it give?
1:25
